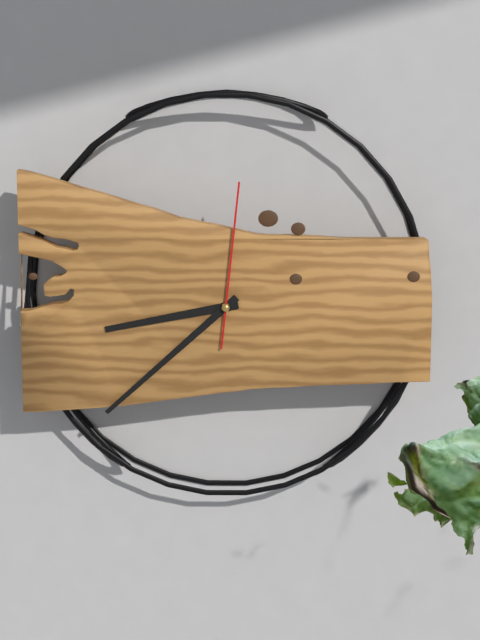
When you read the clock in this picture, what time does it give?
8:38:01
